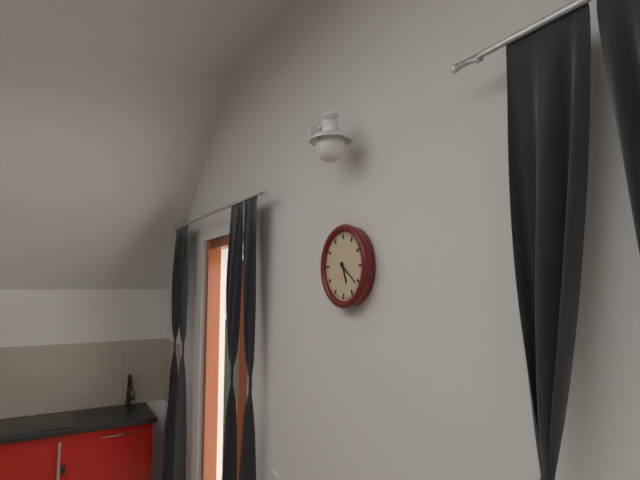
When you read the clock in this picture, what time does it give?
5:21
